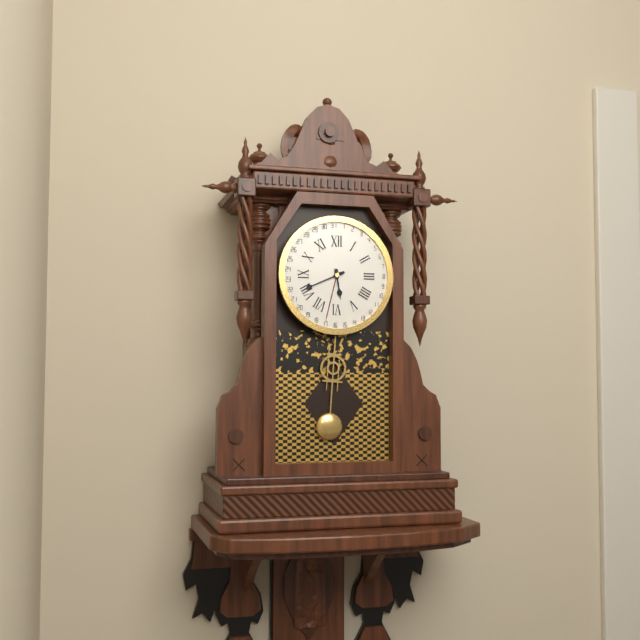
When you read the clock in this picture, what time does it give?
5:41
